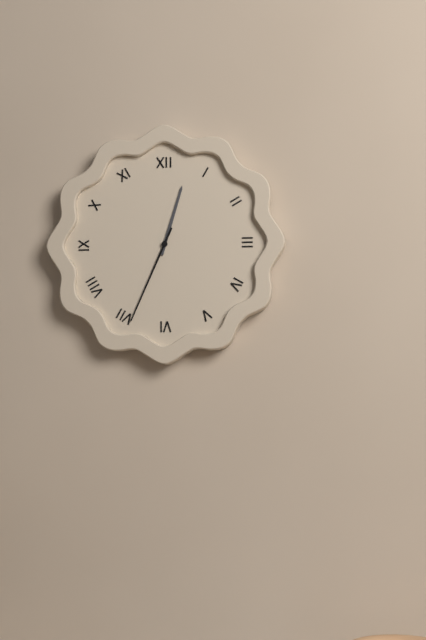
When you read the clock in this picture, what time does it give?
12:34
